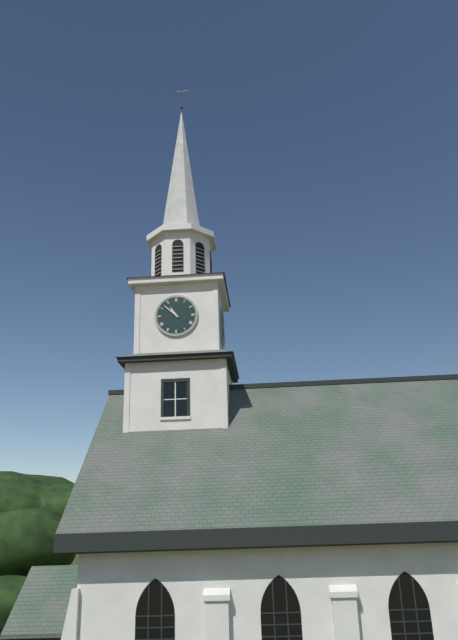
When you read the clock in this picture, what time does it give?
10:52
